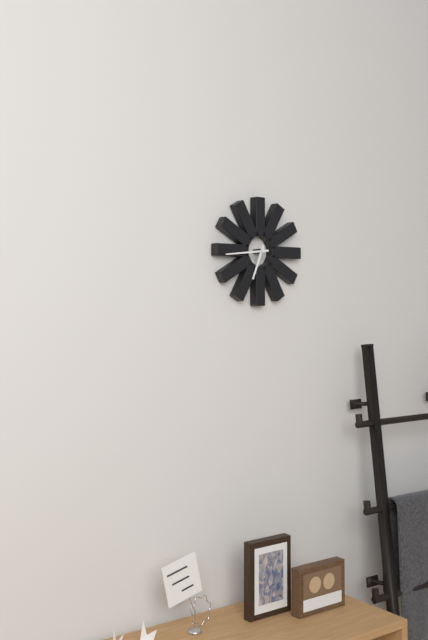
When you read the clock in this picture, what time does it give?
6:44
